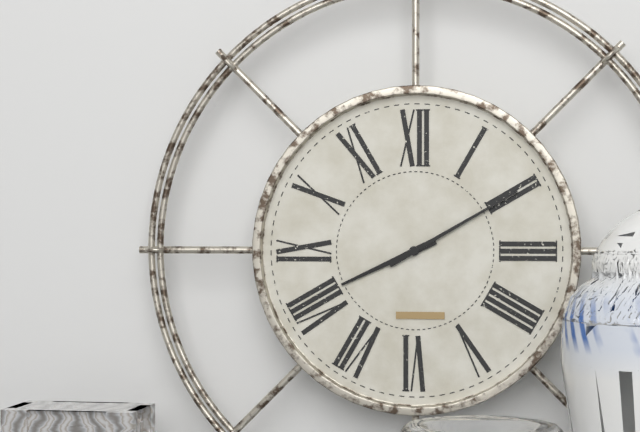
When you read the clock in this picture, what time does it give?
8:10
